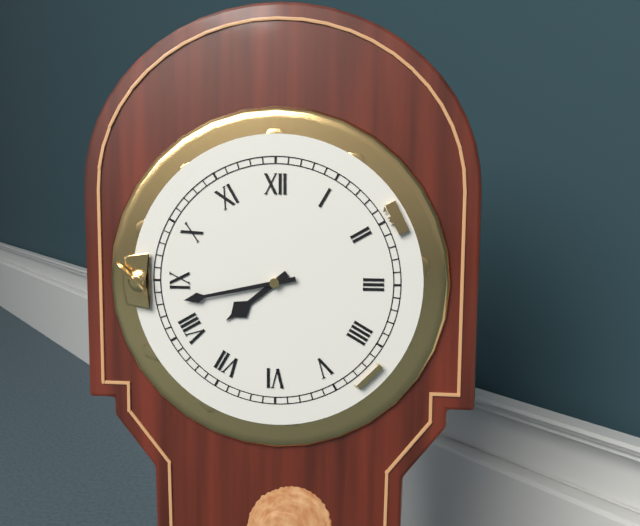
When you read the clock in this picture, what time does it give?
7:43
